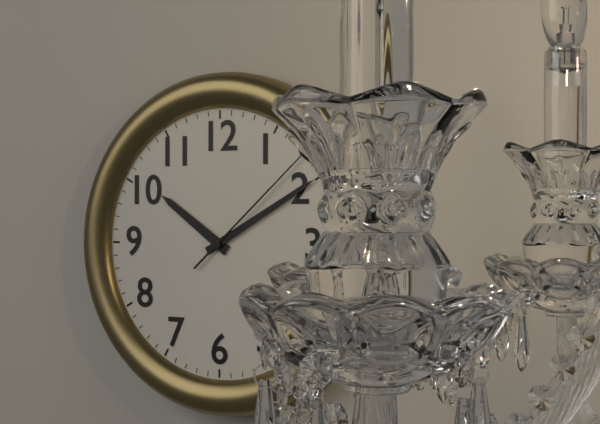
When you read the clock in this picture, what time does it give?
10:10:08
